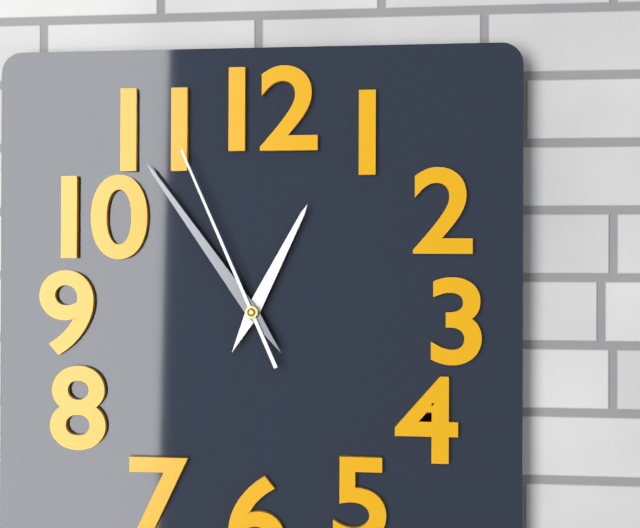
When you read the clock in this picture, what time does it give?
12:54:56
